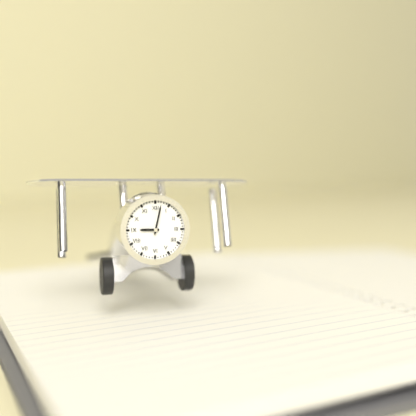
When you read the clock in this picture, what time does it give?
9:02
